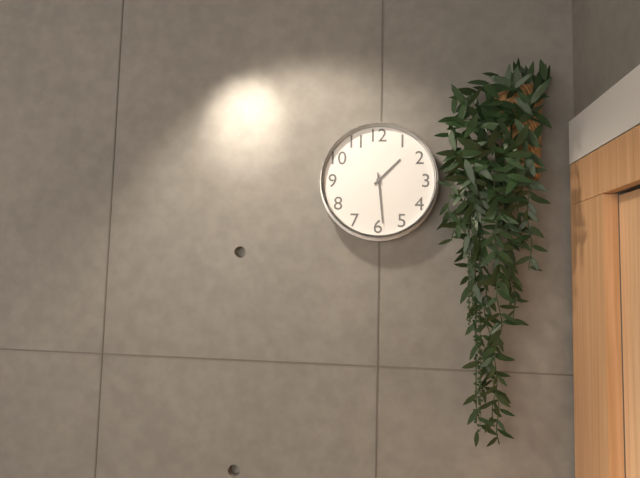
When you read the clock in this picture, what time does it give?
1:29
